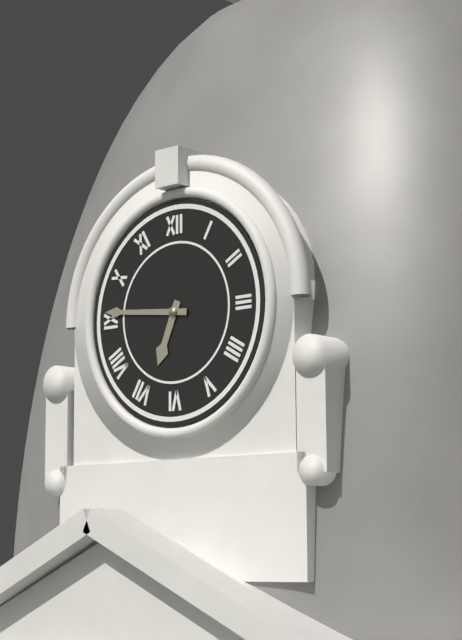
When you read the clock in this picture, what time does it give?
6:46
